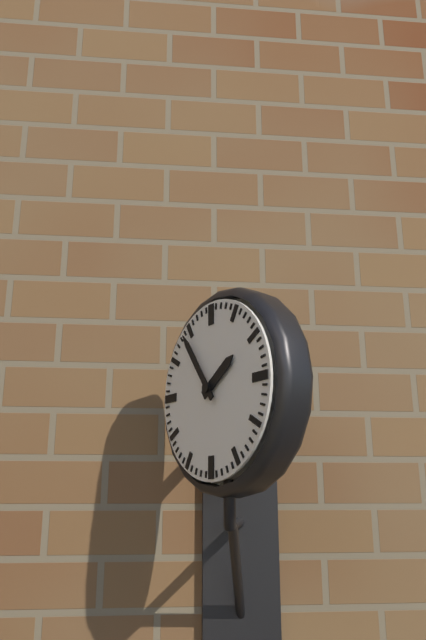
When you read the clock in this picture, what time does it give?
1:54
